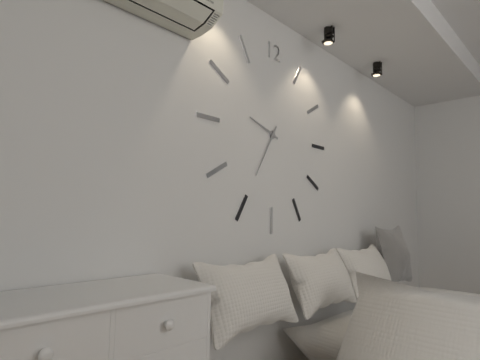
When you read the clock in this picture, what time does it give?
9:35
